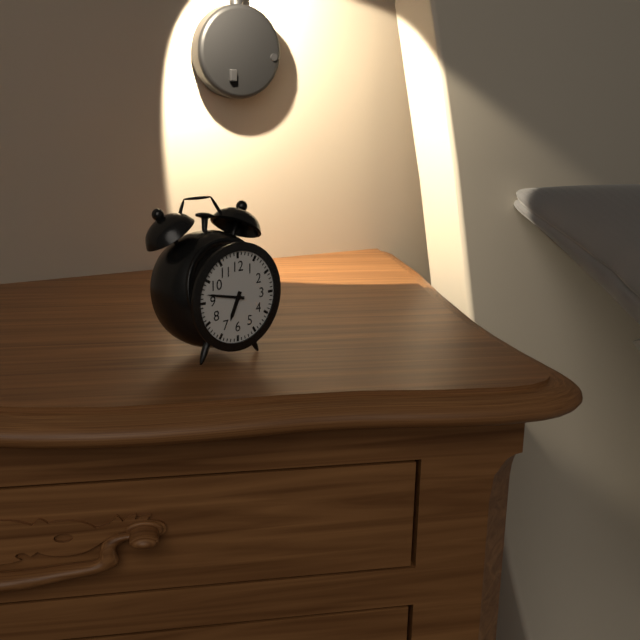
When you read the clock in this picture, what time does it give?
6:47
